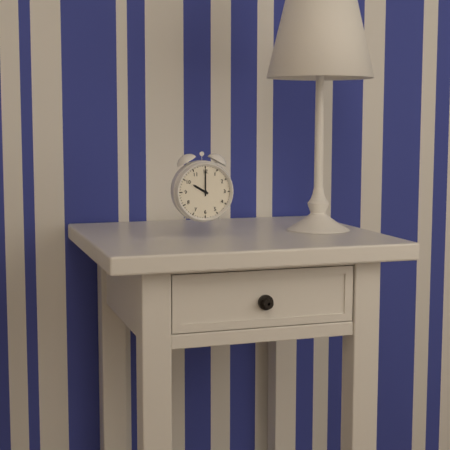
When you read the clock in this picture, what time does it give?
10:00
